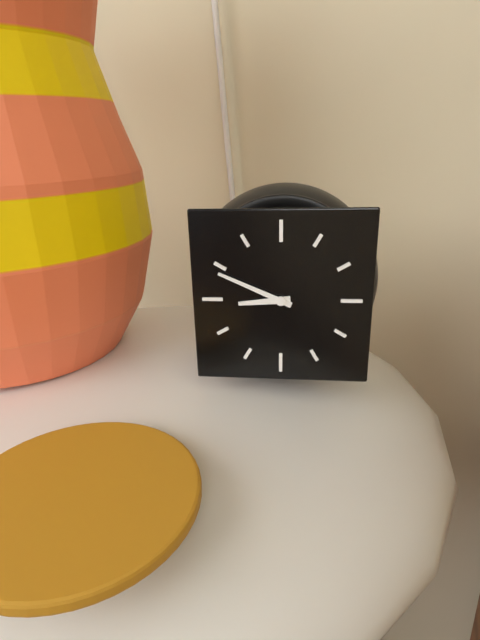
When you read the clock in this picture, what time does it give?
8:49
